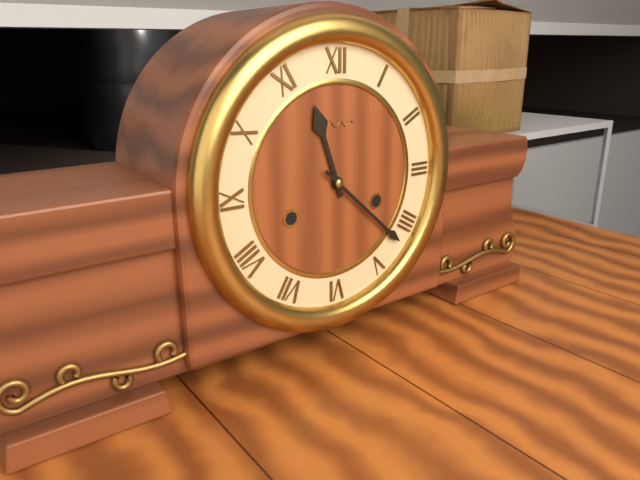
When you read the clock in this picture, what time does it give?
11:22
